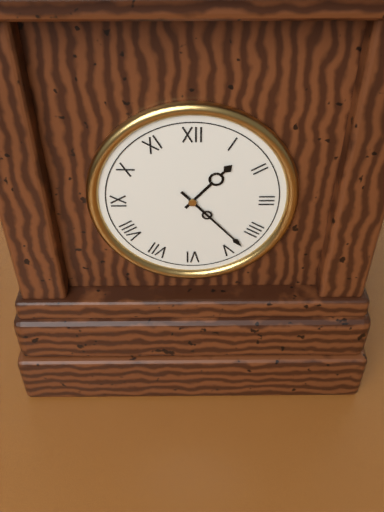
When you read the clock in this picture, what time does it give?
1:23
